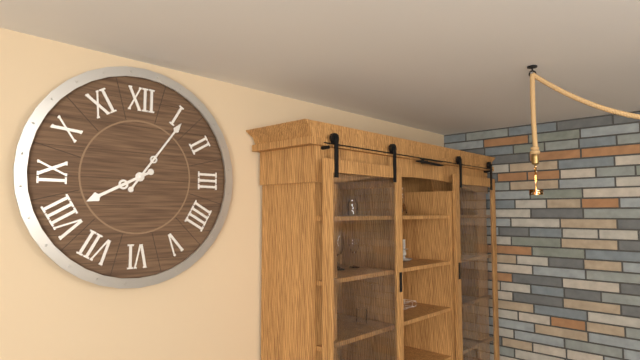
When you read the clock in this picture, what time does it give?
8:06
